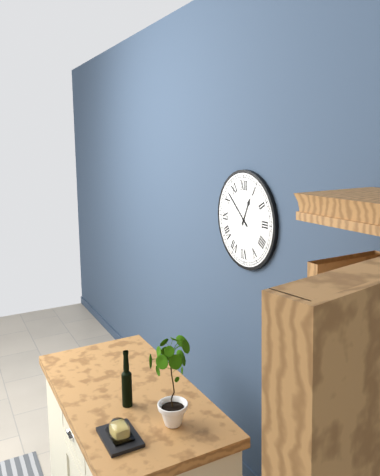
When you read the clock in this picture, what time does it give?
12:52
